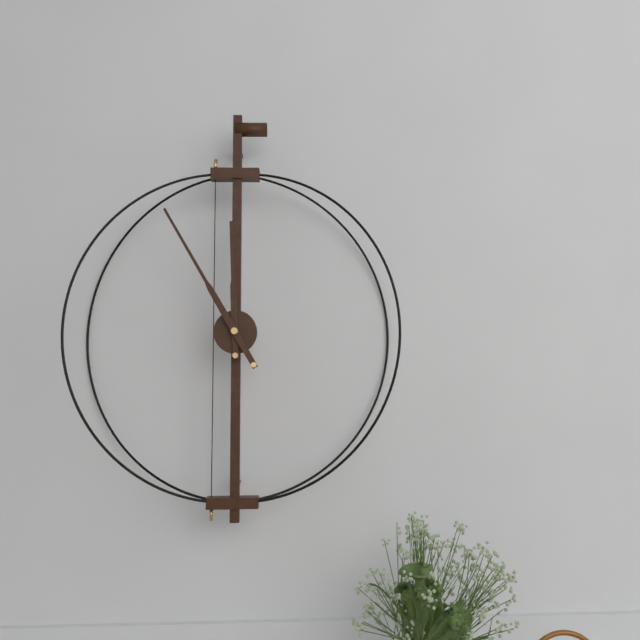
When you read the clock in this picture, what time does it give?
11:55
